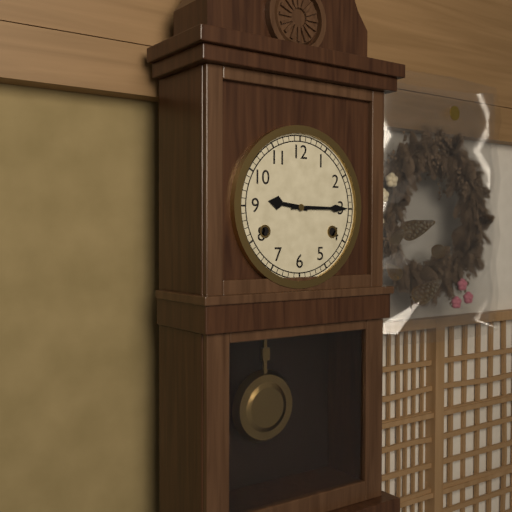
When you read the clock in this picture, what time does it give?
9:15
